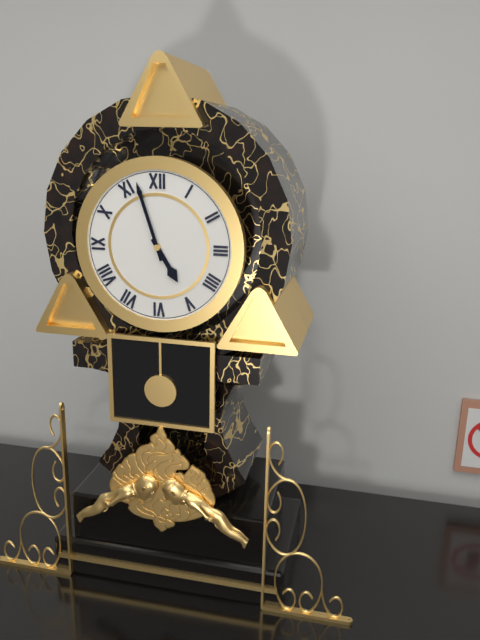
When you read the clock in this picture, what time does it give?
4:57
